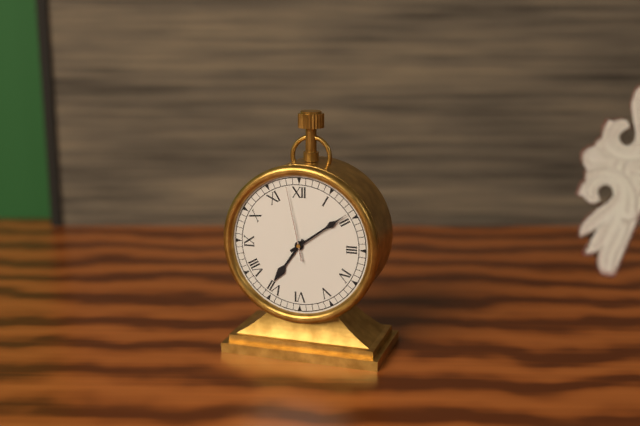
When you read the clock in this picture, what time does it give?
7:09:58
